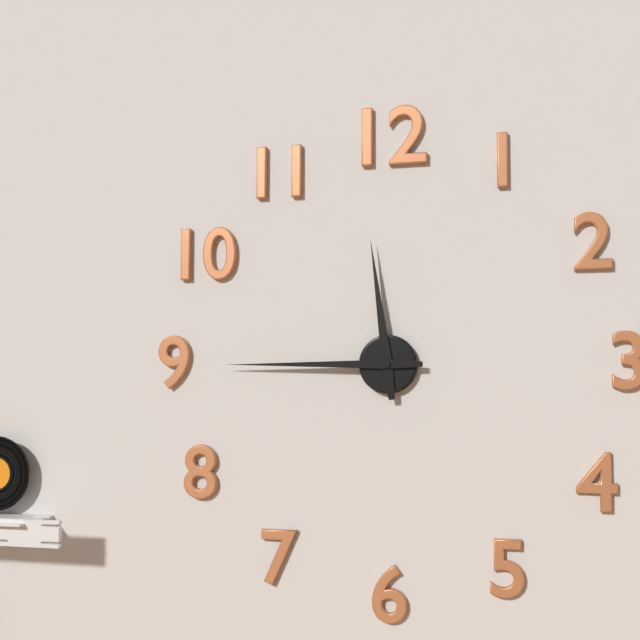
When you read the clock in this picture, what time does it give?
11:45
